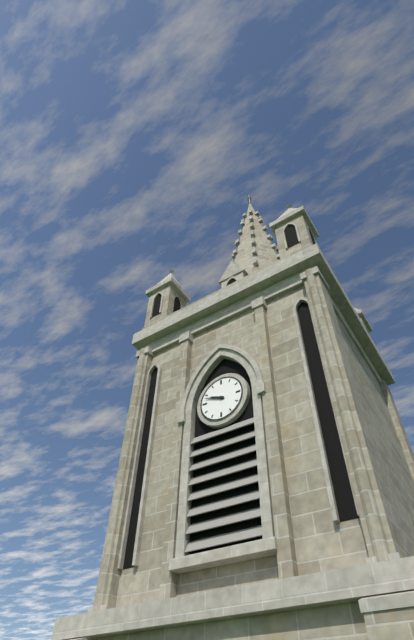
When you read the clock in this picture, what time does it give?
9:48
